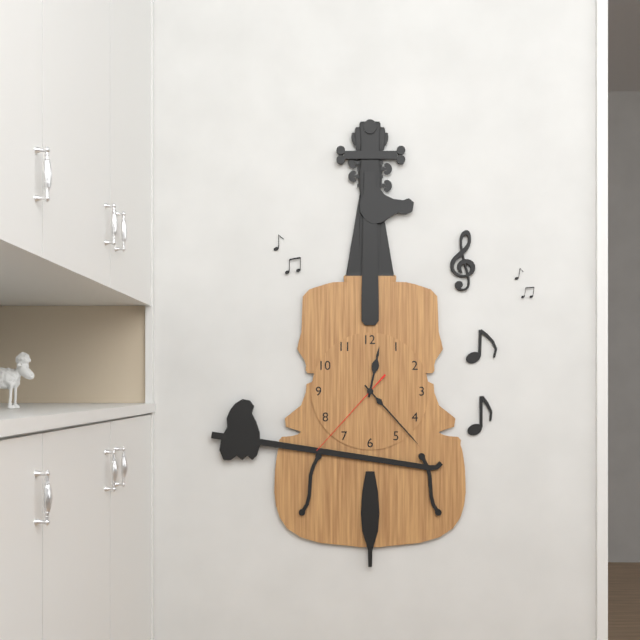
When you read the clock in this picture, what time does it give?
12:23:37
